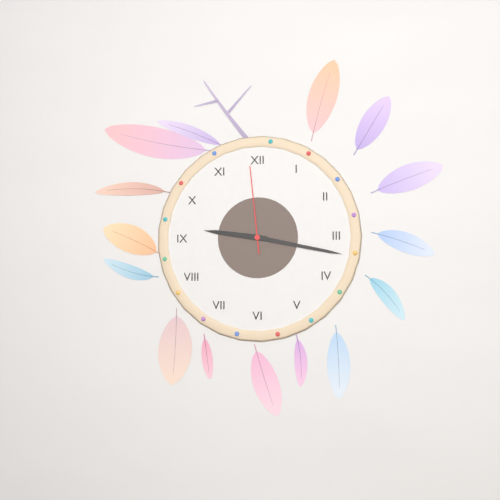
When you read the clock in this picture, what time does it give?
9:17:59
